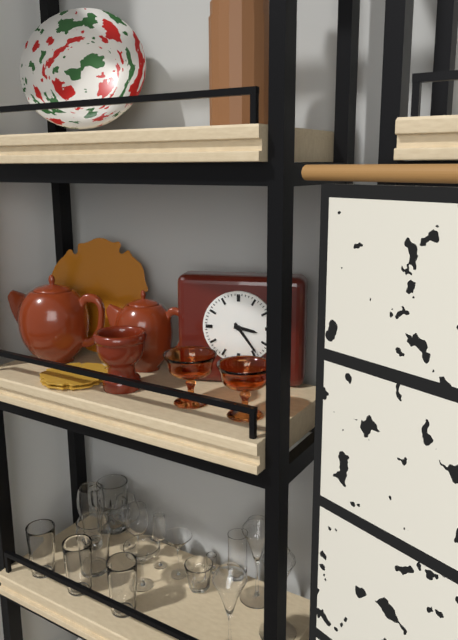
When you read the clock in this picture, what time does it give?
3:24
